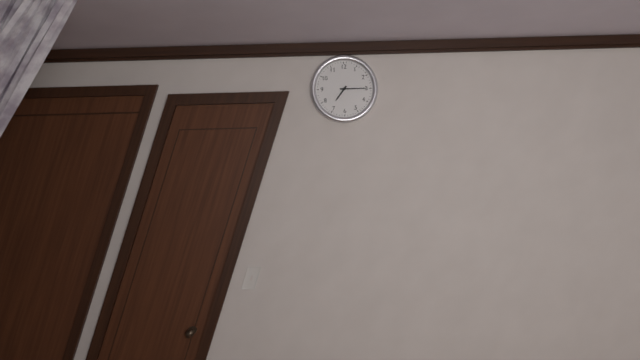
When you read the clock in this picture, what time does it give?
7:15
